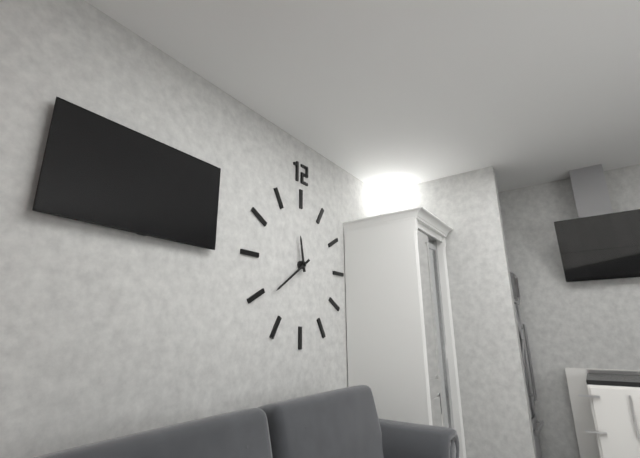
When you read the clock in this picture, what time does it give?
11:39
